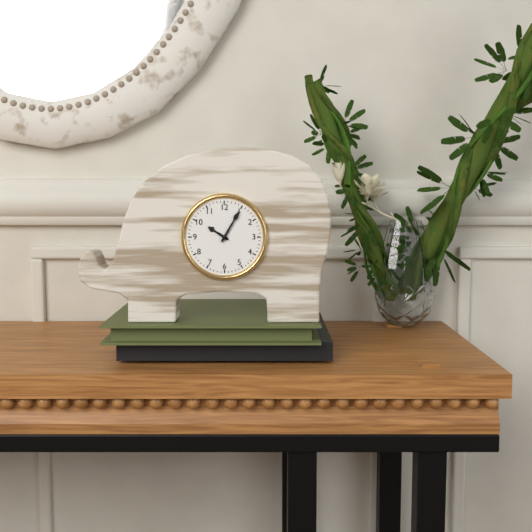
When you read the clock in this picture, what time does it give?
10:05
